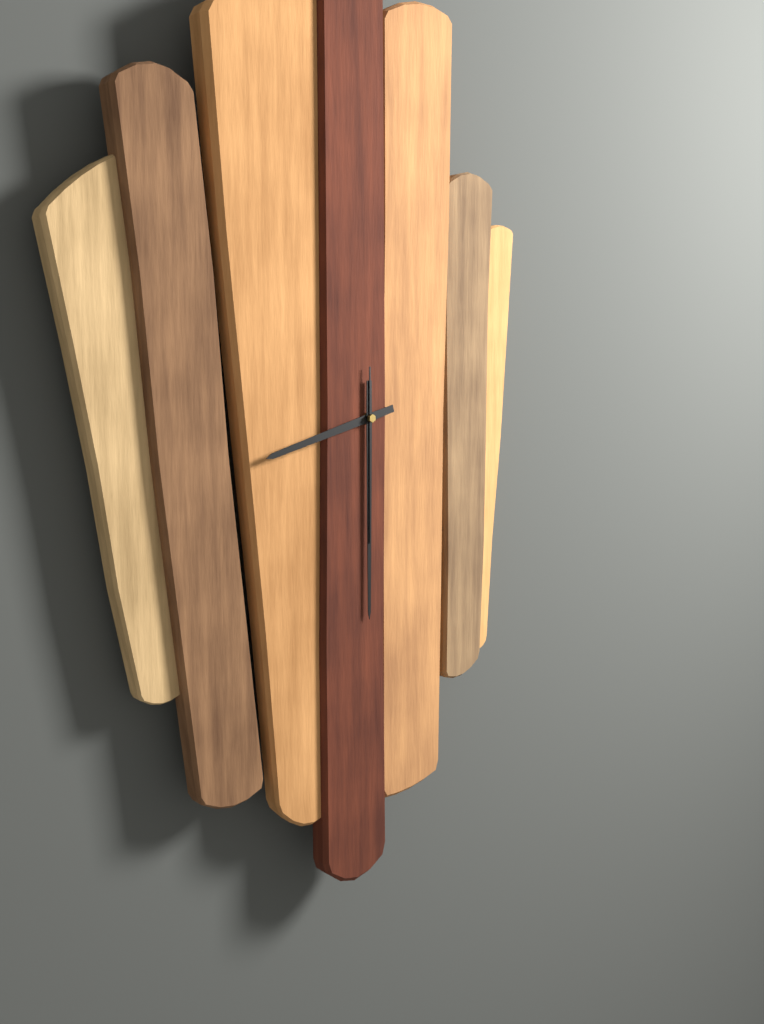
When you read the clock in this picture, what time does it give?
8:30:30
